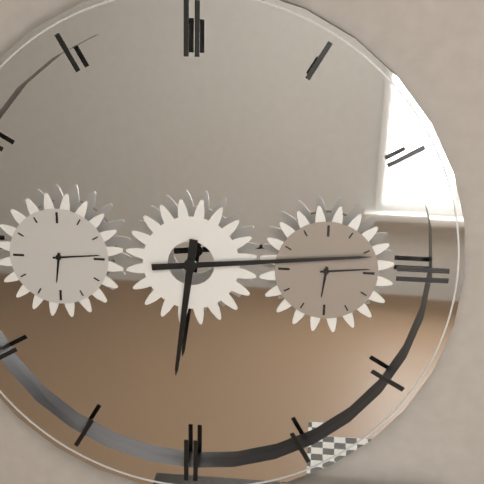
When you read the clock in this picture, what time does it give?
6:14
